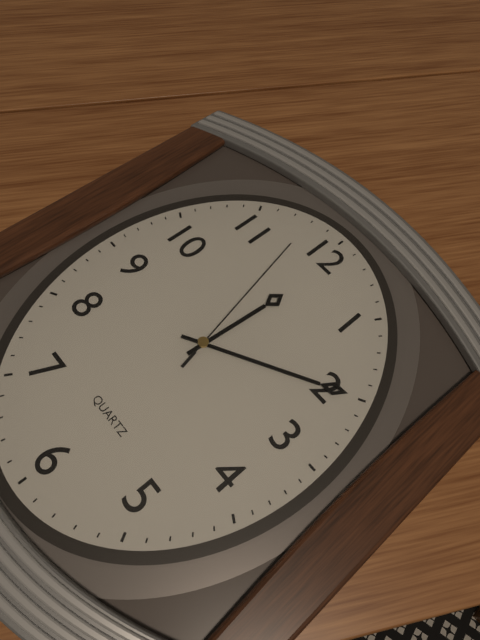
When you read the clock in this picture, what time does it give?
12:10:58
